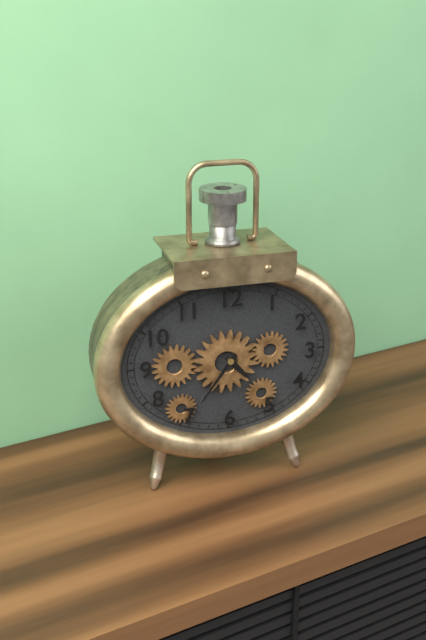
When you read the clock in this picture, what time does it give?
4:36
